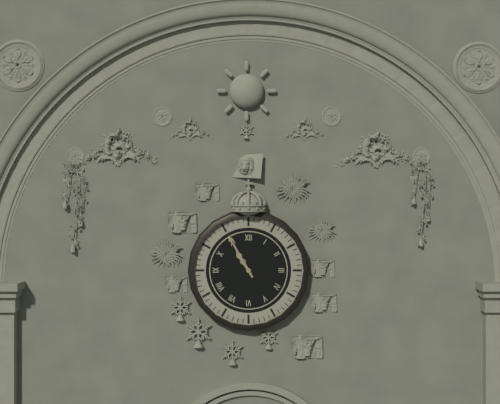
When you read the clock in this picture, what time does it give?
10:55
